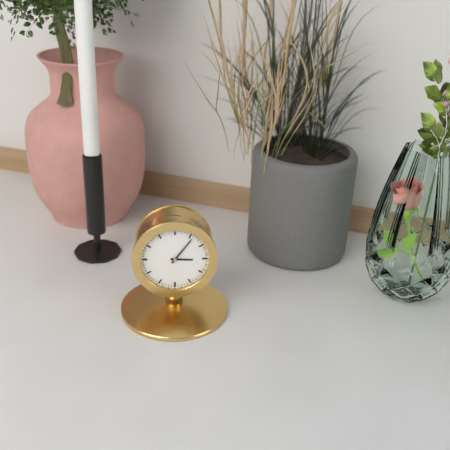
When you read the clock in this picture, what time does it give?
3:06
